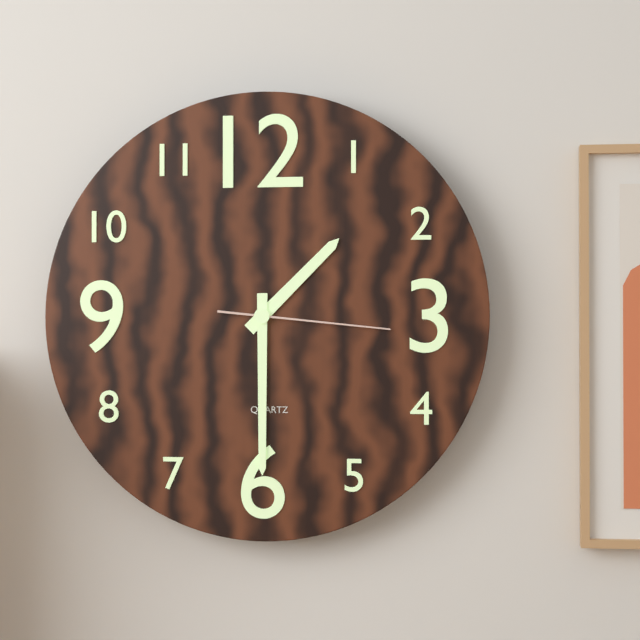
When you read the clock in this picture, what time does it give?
1:30:16
